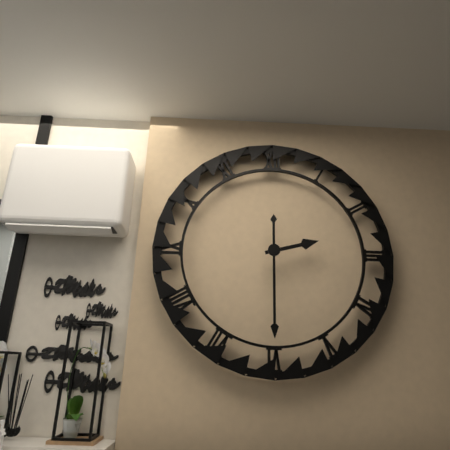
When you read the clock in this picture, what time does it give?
2:30
